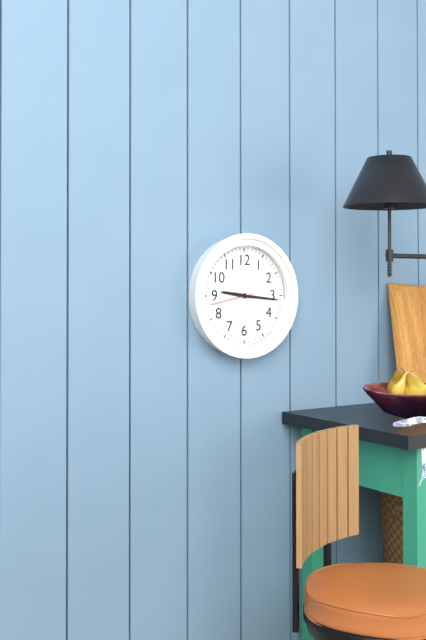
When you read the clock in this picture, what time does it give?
9:16
